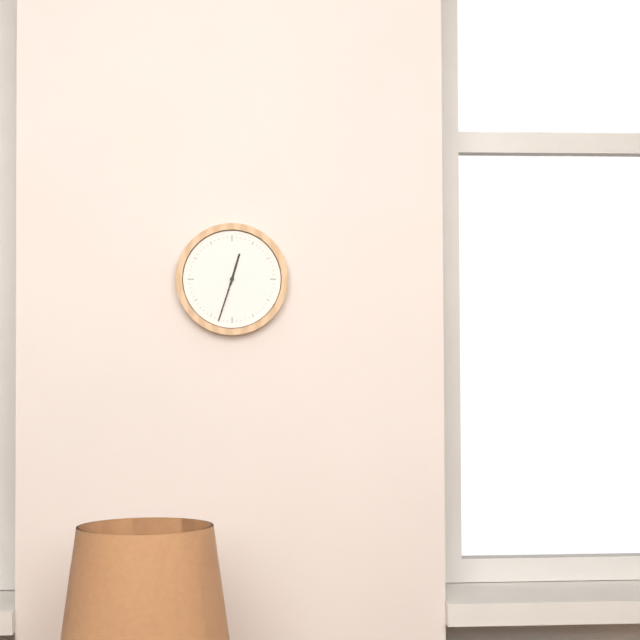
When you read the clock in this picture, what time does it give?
12:33
